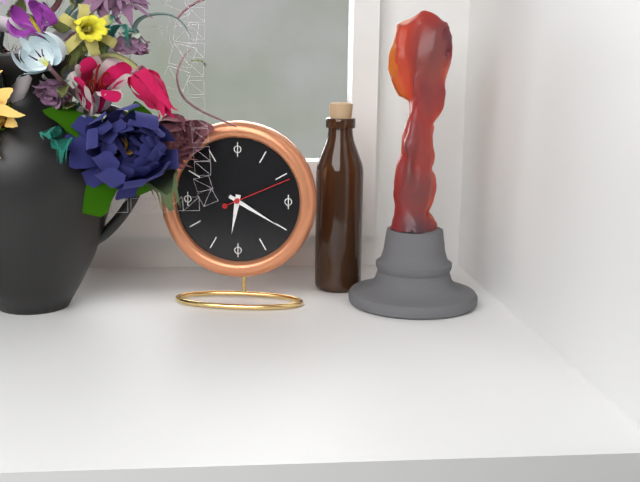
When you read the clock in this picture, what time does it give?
6:20:11
